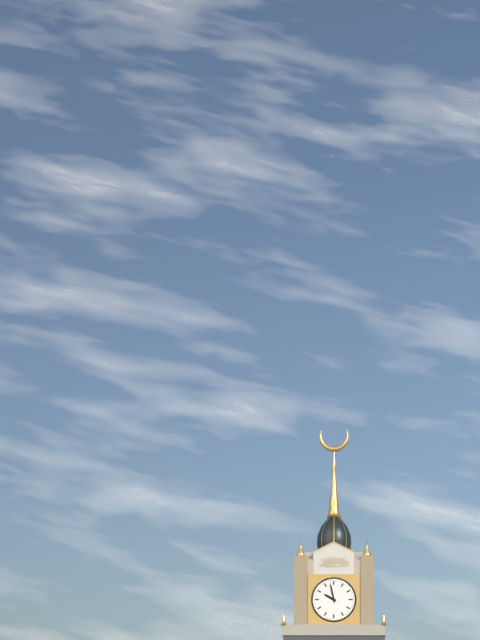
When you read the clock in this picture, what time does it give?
9:58
